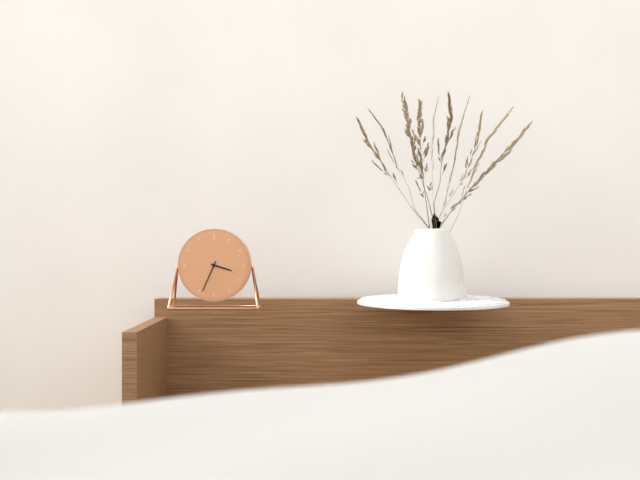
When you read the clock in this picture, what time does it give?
3:34
